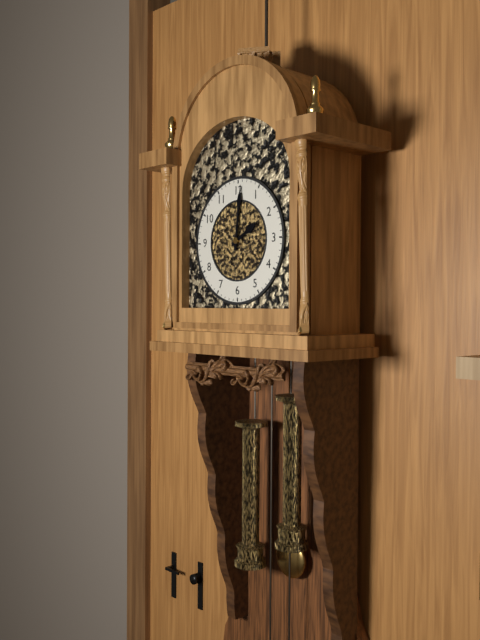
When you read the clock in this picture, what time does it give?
2:01
